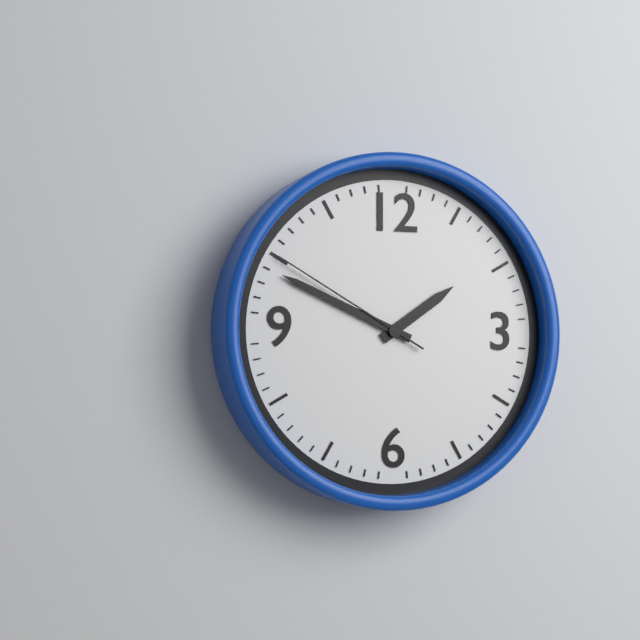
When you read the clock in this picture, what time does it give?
1:49:50
